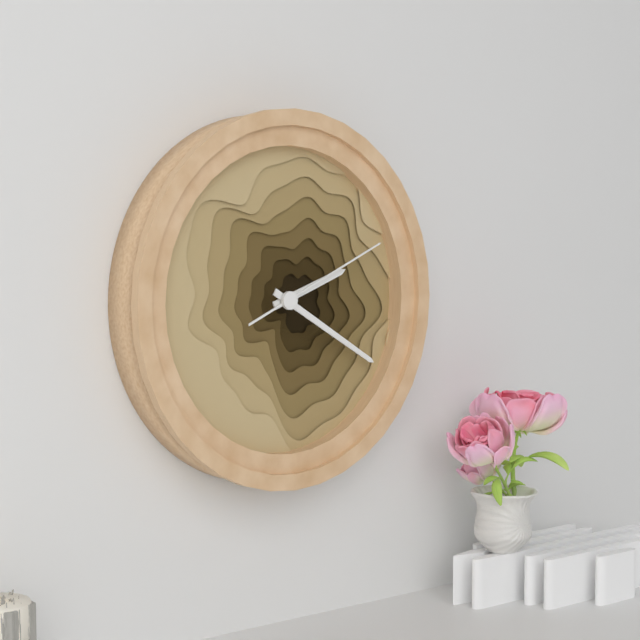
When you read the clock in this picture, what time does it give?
2:20:11
